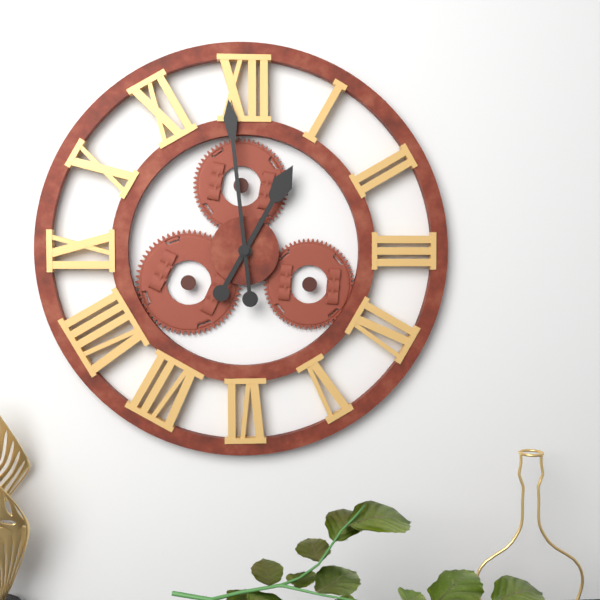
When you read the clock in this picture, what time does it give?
12:59
